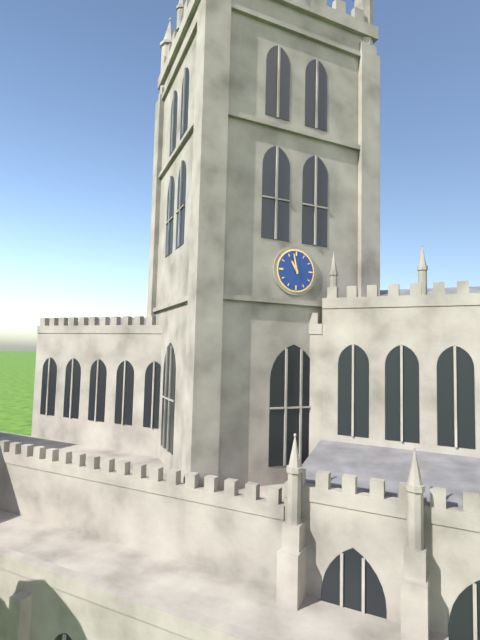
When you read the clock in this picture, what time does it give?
10:58
